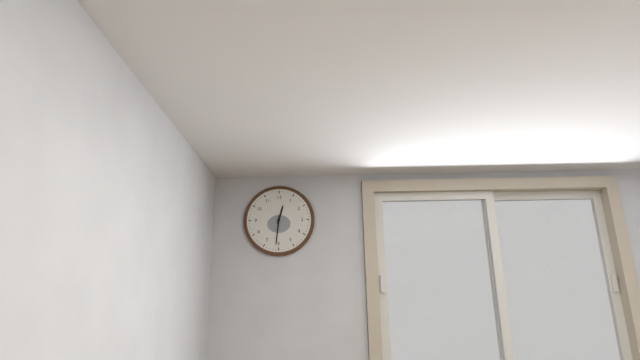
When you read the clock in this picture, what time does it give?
12:31
